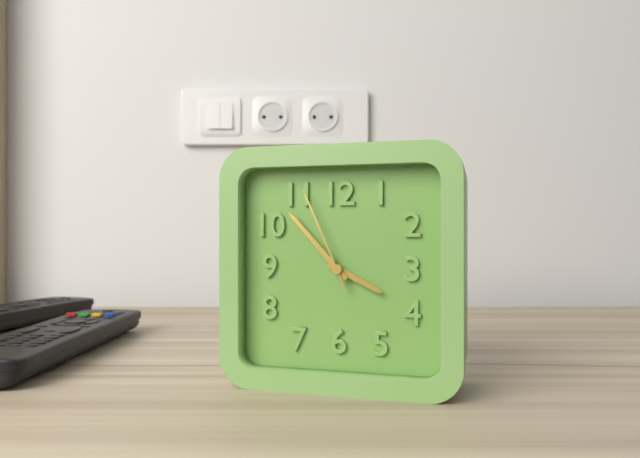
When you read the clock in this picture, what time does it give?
3:53:56
